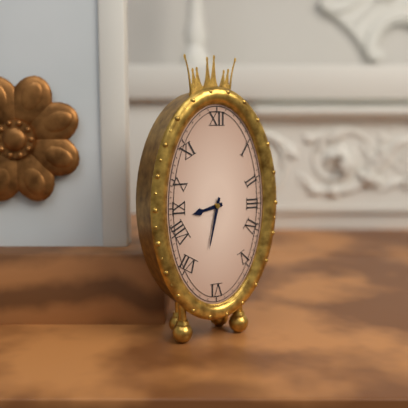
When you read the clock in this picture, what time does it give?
8:32
